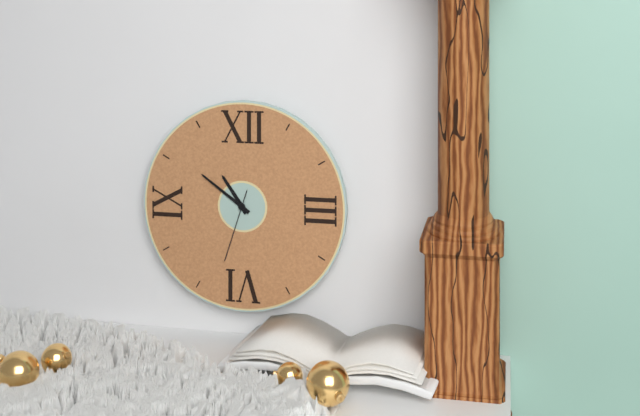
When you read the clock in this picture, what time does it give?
10:51:33
